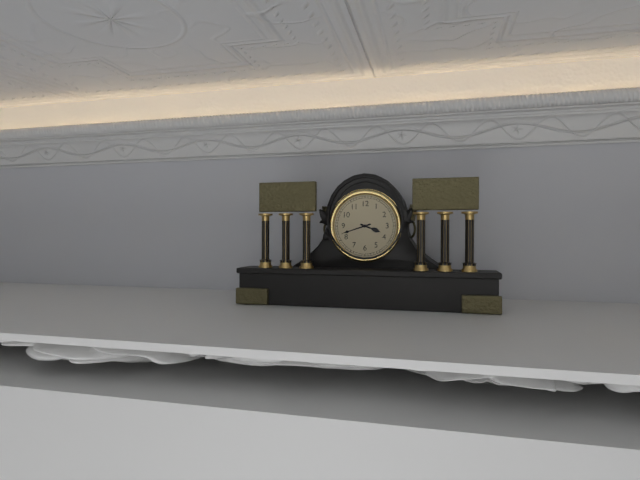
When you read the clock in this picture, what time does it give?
3:42
